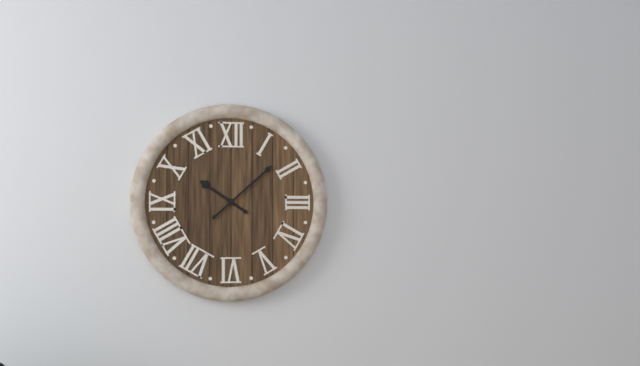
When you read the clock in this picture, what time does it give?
10:08
